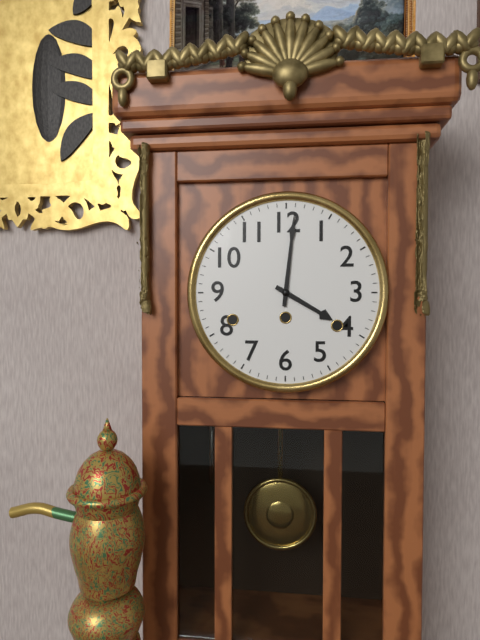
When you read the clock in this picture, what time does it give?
4:01
